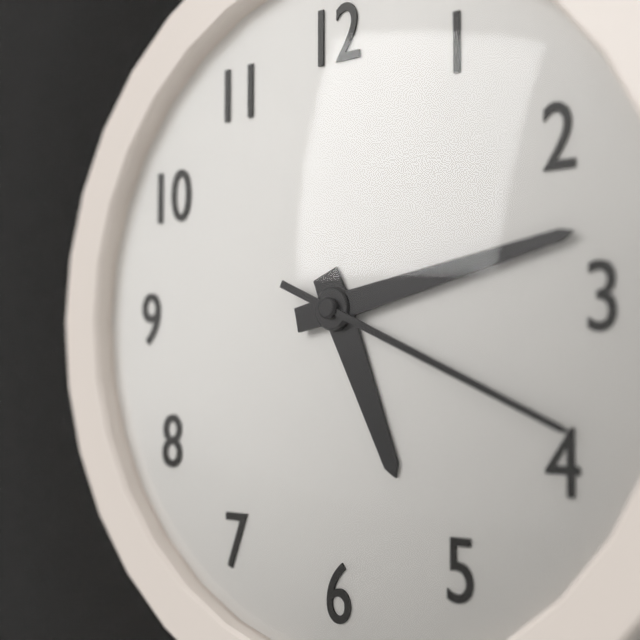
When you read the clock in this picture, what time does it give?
5:13:19
